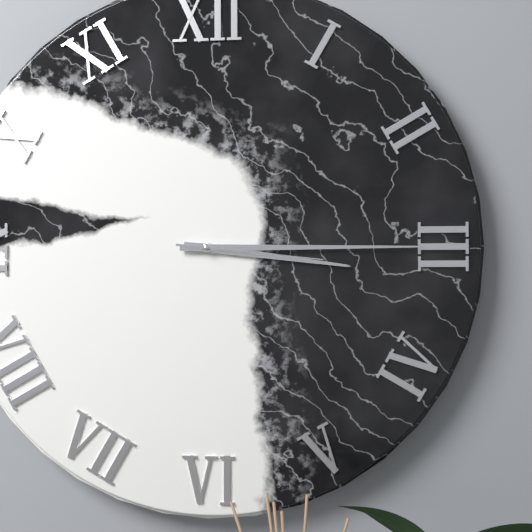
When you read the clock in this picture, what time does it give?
3:15:16
